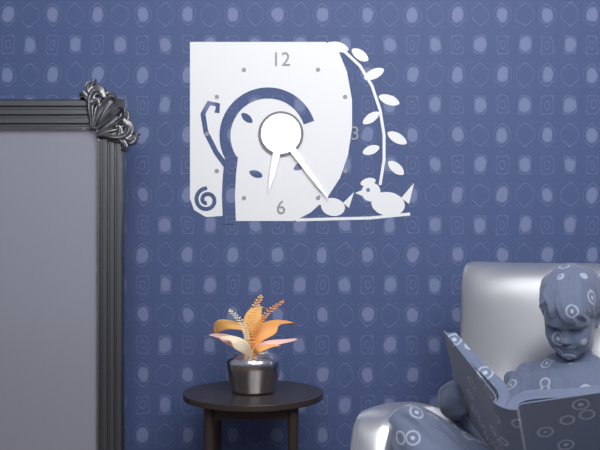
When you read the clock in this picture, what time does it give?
6:24
